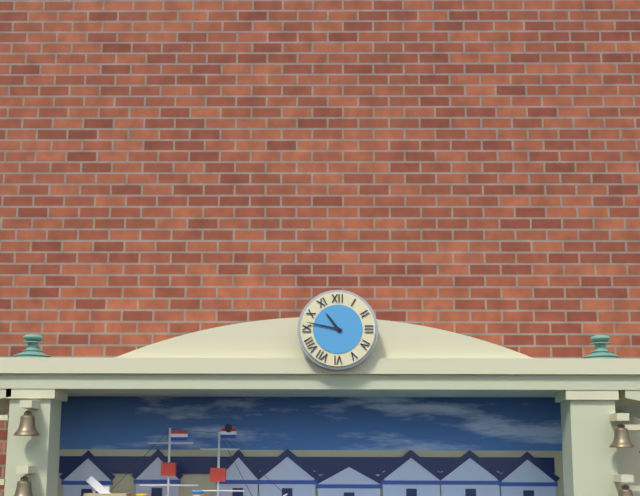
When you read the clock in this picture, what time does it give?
10:47
